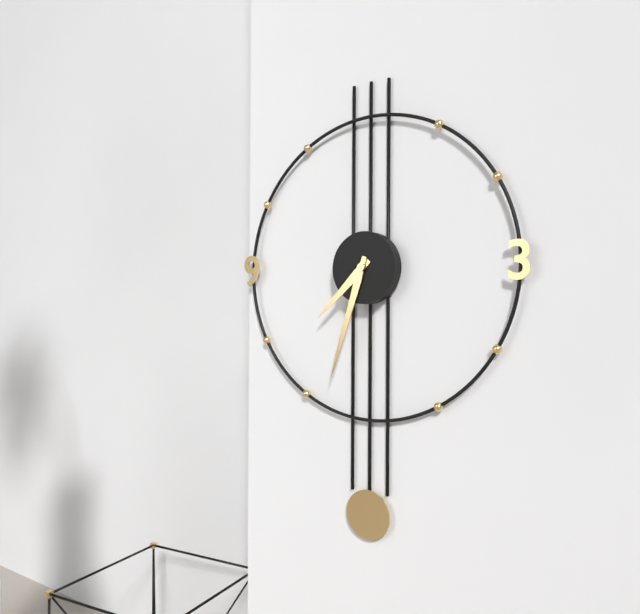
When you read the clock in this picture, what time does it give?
7:33
